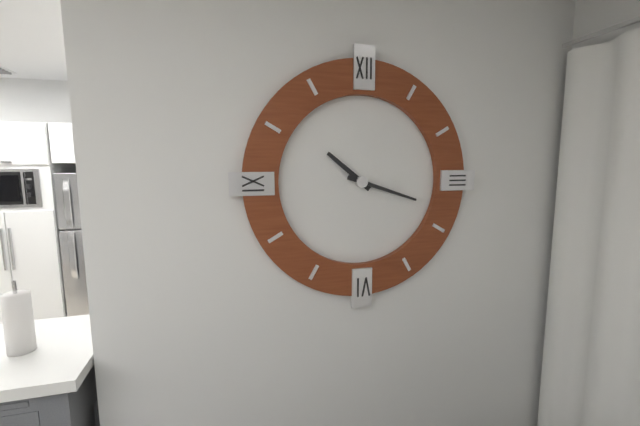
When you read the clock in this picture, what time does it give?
10:18
